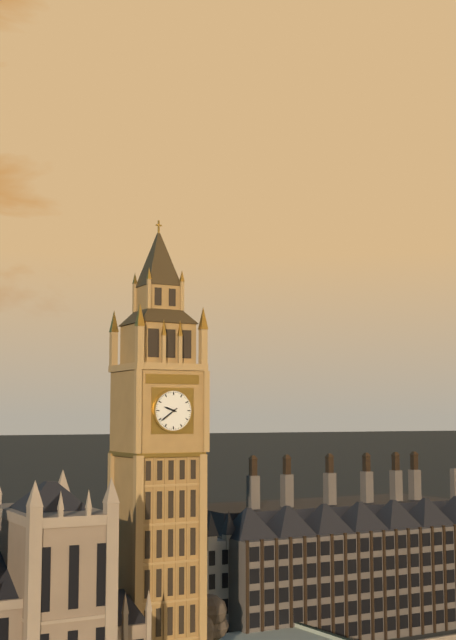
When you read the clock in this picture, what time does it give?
9:39
